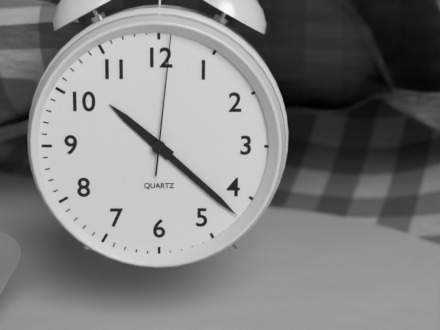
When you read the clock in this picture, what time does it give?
10:22:01
